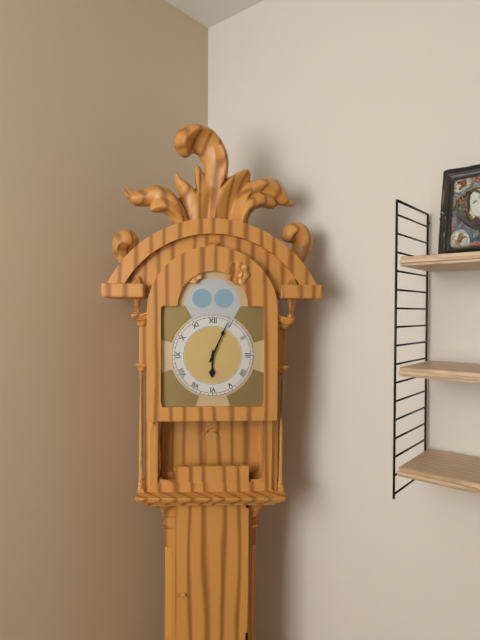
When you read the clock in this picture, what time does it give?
6:04
